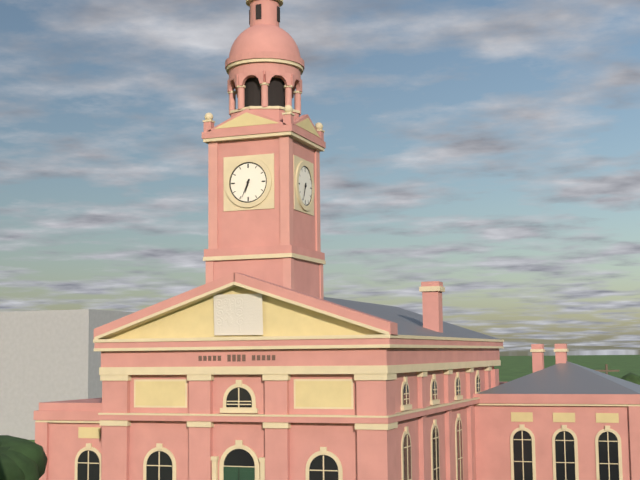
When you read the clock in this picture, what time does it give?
6:34
